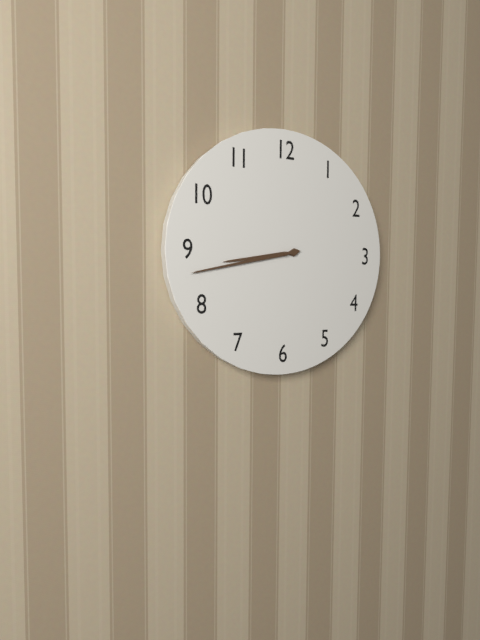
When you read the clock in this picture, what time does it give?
8:43
